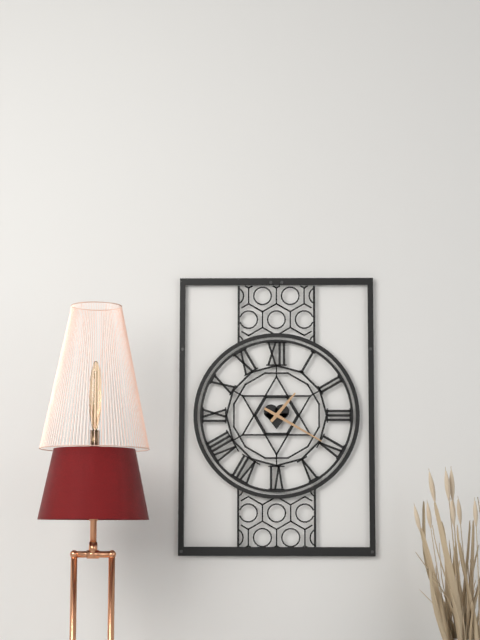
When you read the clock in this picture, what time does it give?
1:20
